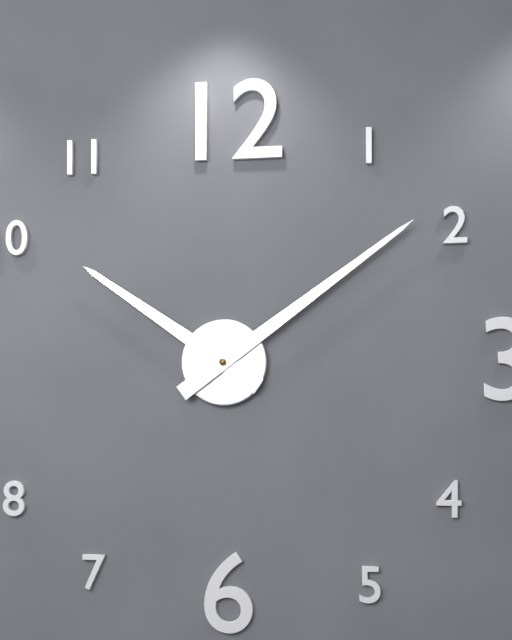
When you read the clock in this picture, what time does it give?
10:09
